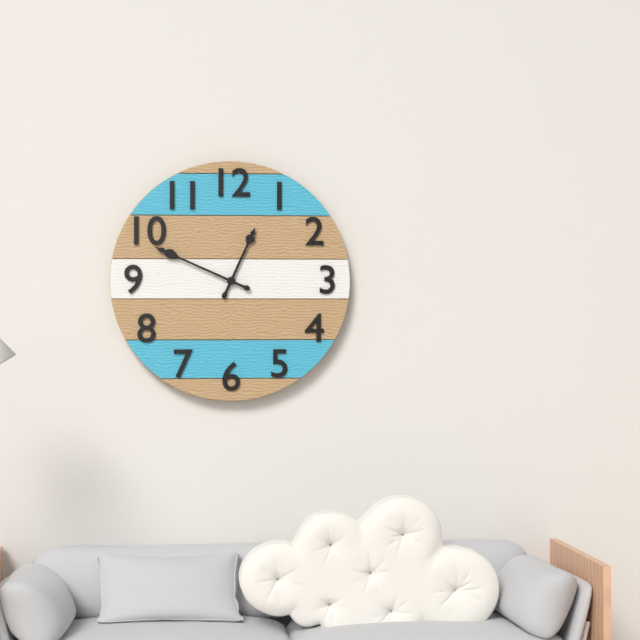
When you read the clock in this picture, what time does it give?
12:49
